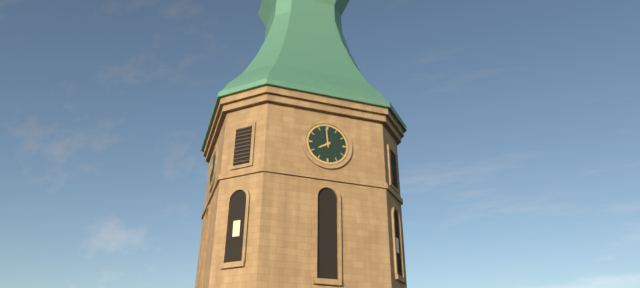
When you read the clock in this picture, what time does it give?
7:59
